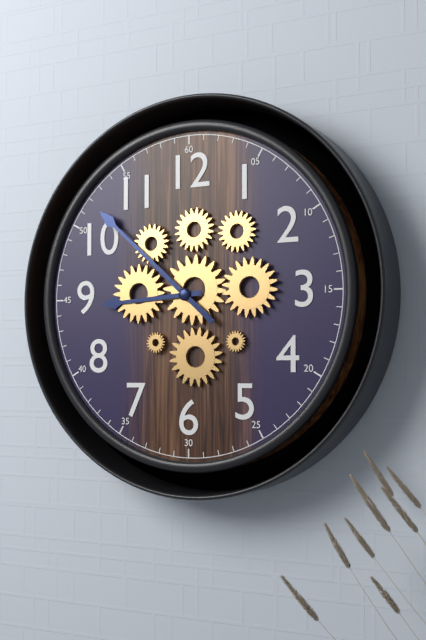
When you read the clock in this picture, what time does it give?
8:52
